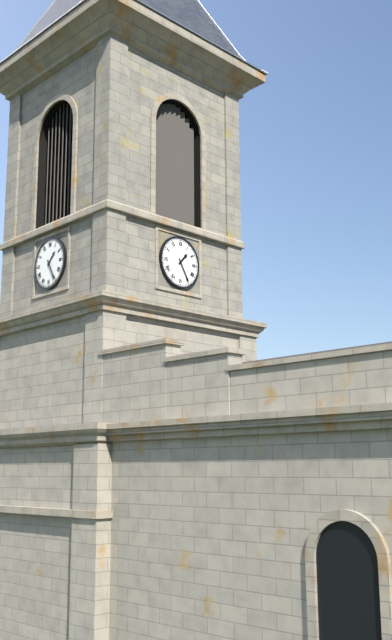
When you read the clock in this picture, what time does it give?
1:25
